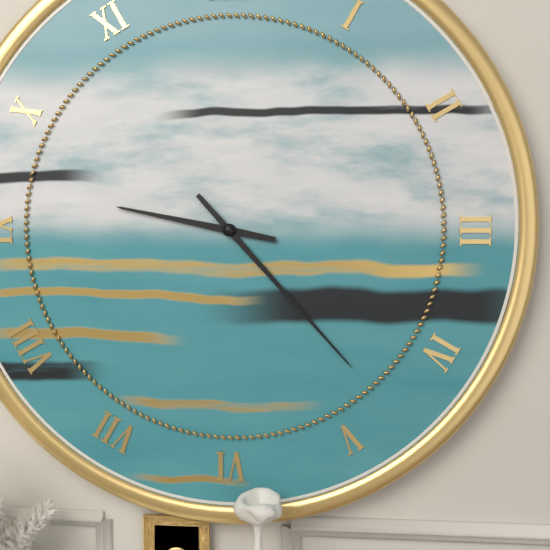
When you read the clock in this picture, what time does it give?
9:23
